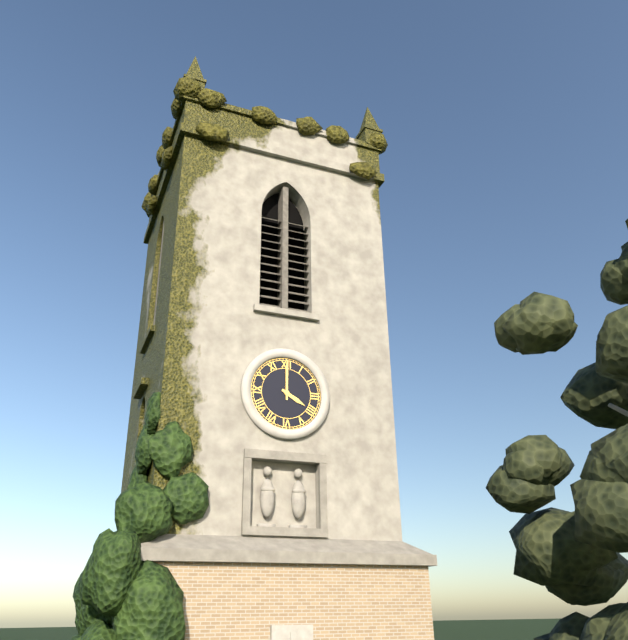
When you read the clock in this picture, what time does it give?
4:00
